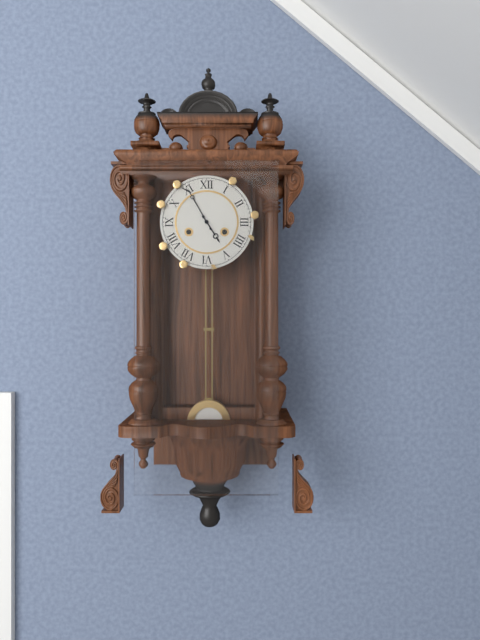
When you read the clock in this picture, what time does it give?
4:55
